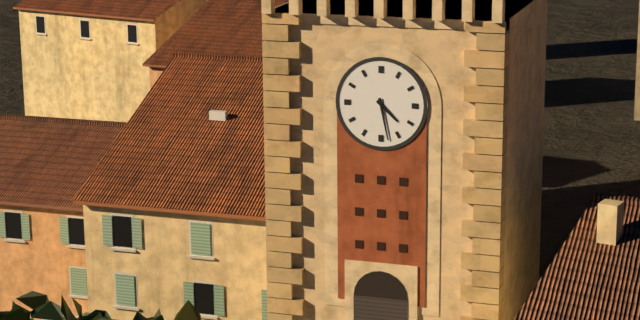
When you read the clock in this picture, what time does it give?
4:28
